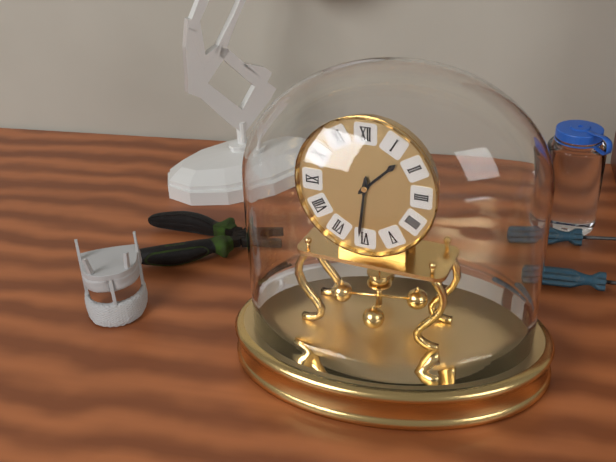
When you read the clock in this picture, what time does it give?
1:31
